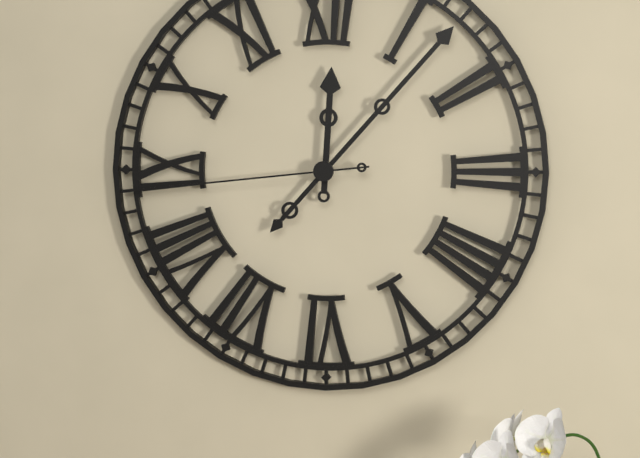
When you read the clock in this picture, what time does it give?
12:07:44
